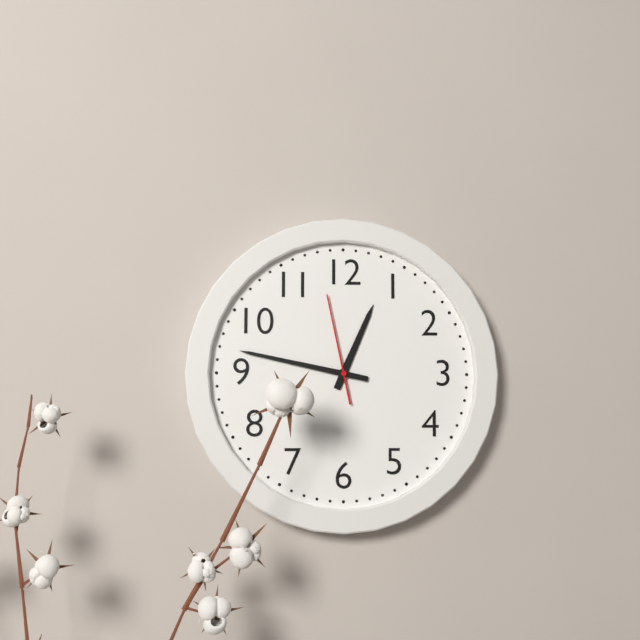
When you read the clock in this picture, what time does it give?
12:47:58
